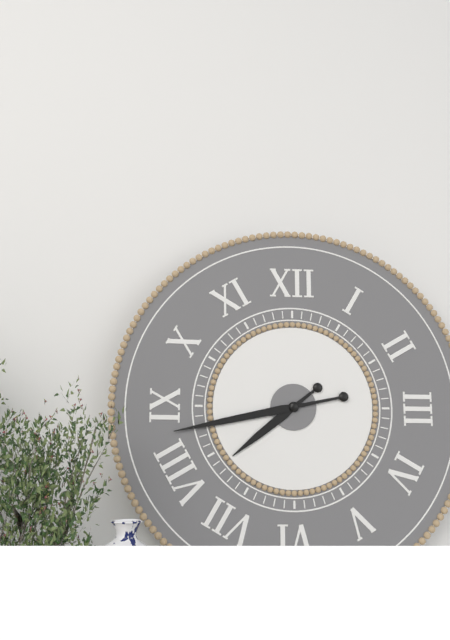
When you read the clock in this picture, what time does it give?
7:43
